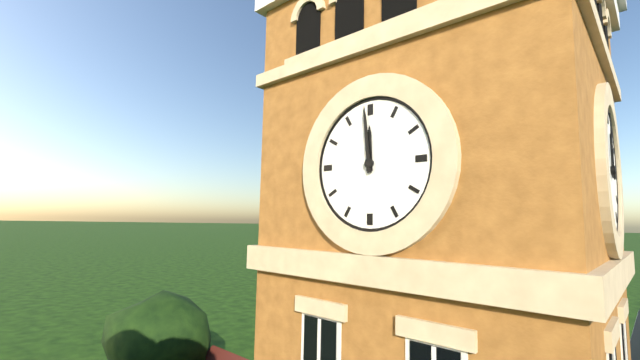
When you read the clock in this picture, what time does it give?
11:59
